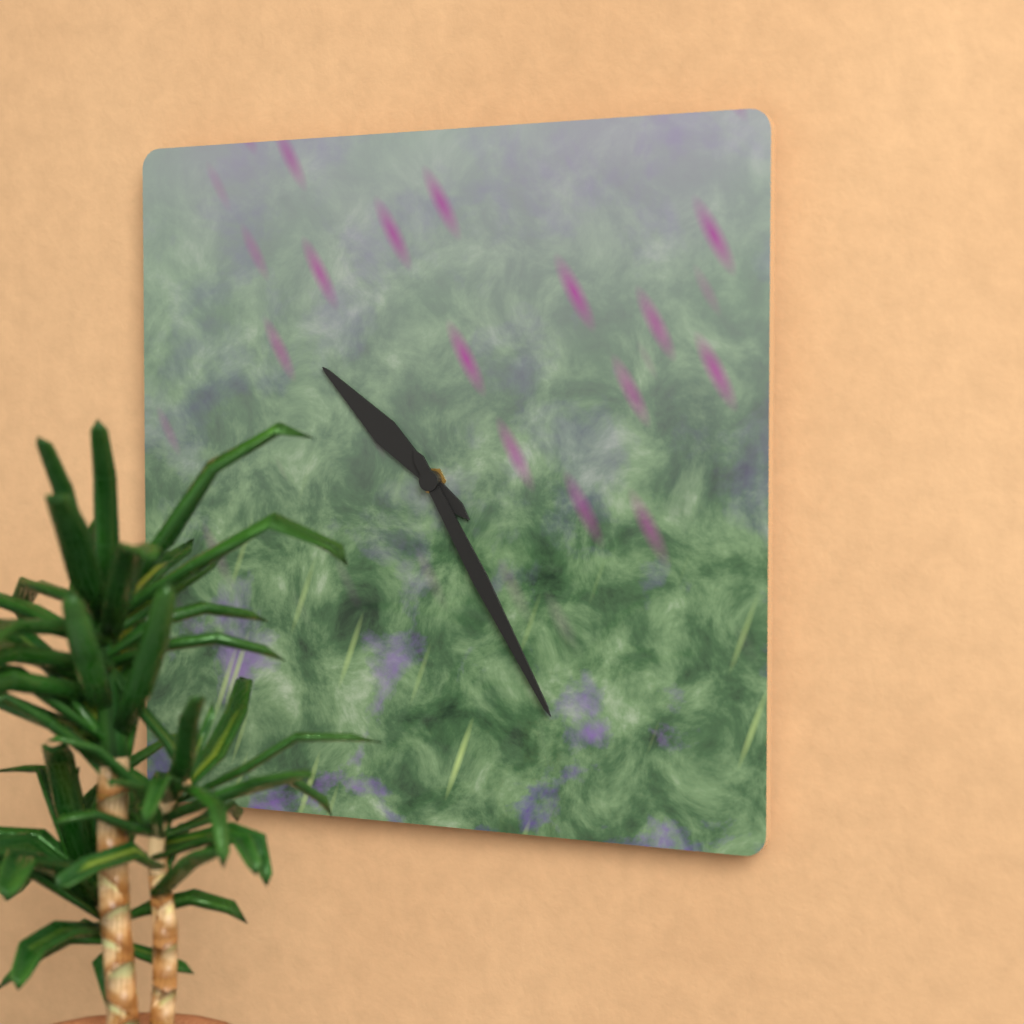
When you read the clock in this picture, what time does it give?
10:25
